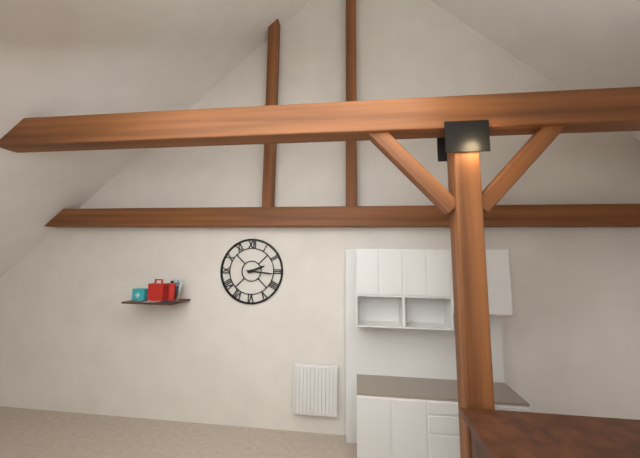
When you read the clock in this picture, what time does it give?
2:16
